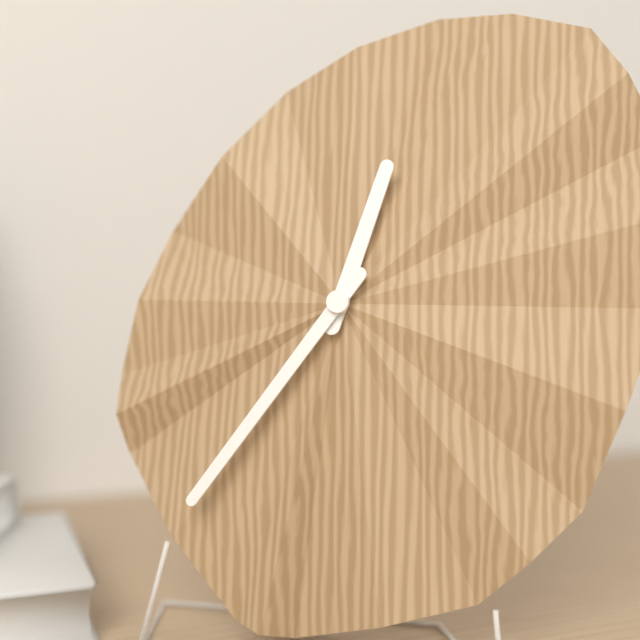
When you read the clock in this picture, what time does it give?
12:36
